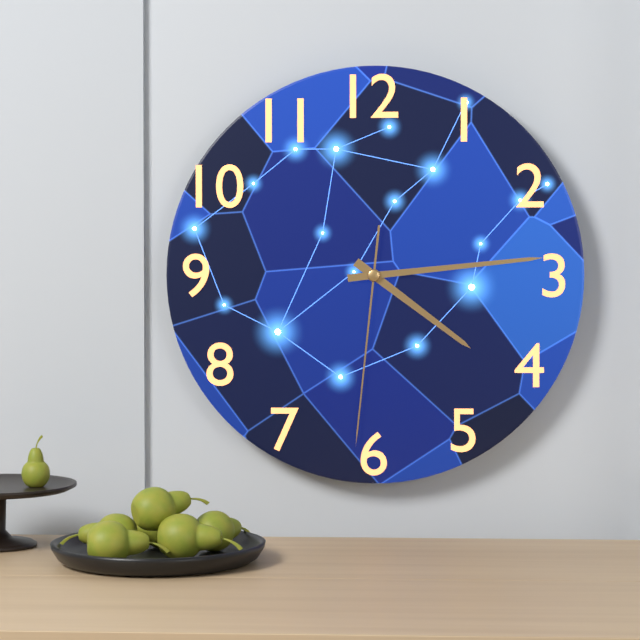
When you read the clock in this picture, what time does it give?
4:14:31
